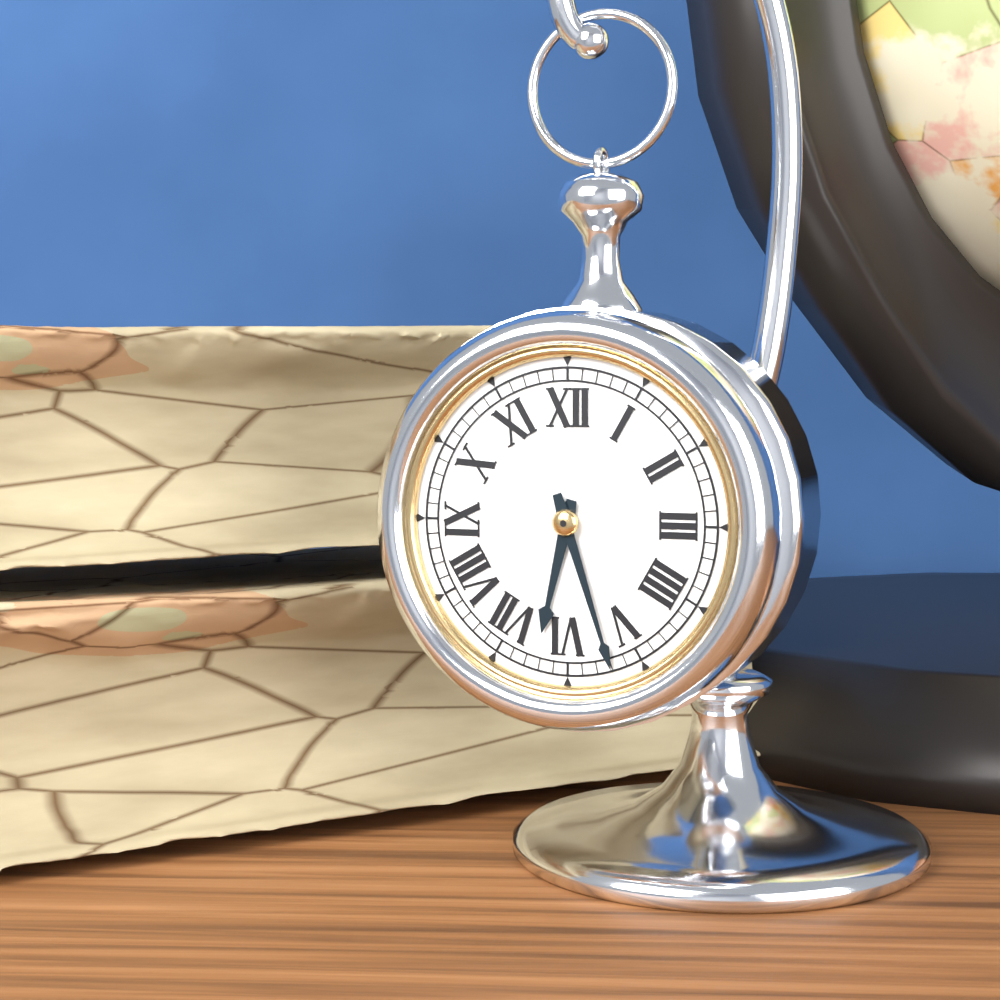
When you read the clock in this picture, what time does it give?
6:27
